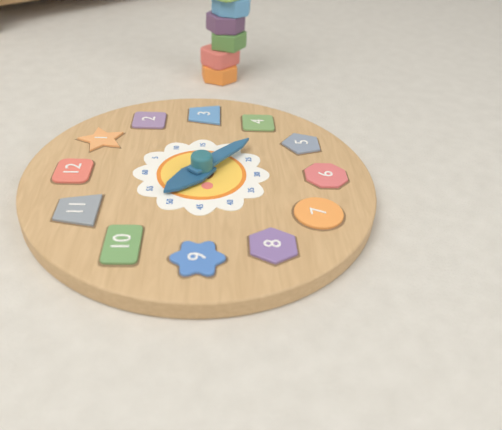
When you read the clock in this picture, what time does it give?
10:22
